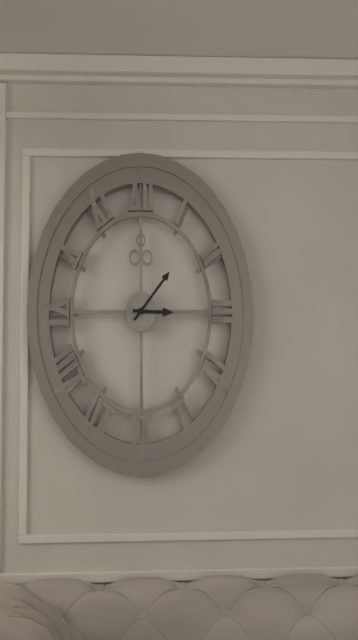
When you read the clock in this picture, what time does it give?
3:06
